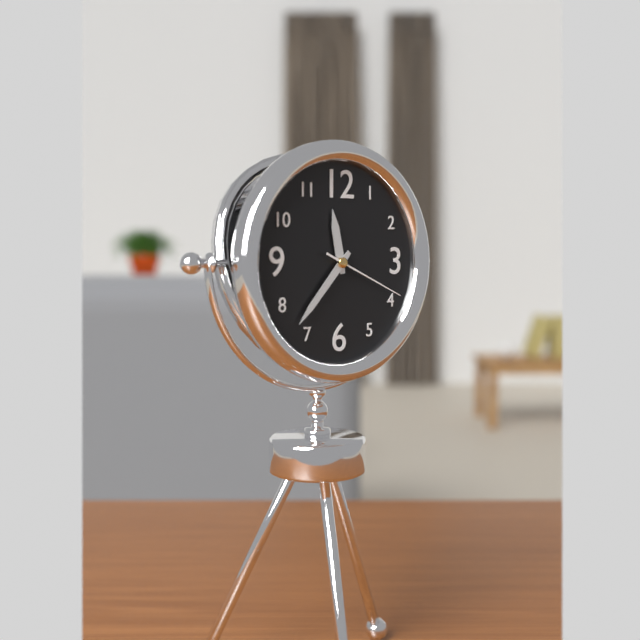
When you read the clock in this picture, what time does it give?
11:37:19
